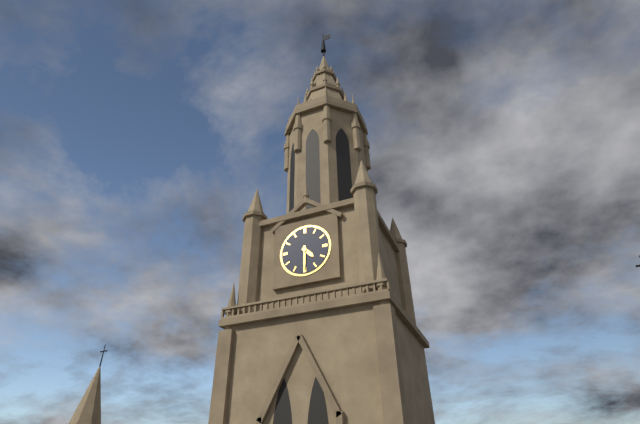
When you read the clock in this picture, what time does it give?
4:30
